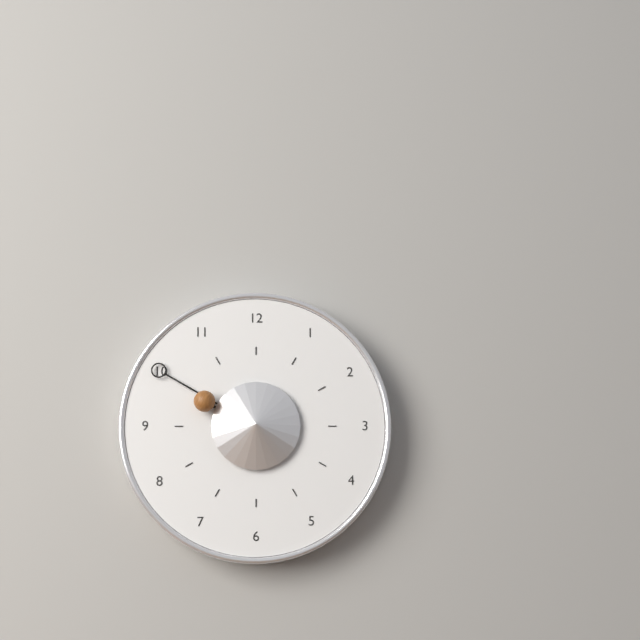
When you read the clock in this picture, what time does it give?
9:50
